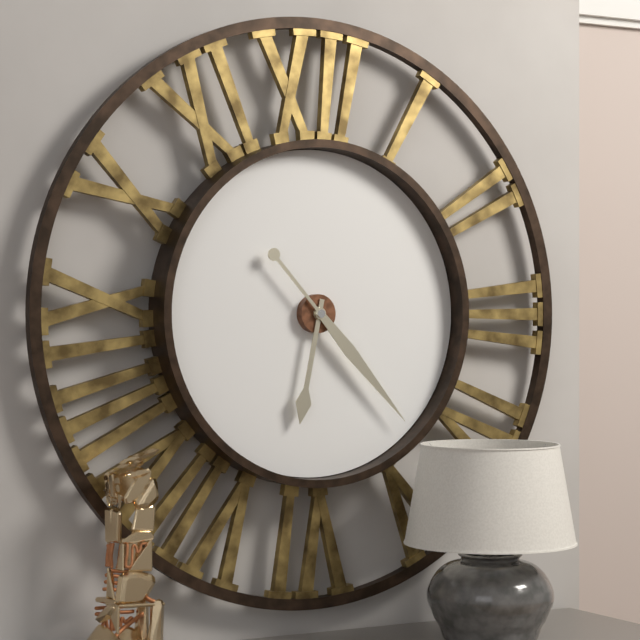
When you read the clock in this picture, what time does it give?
6:23
